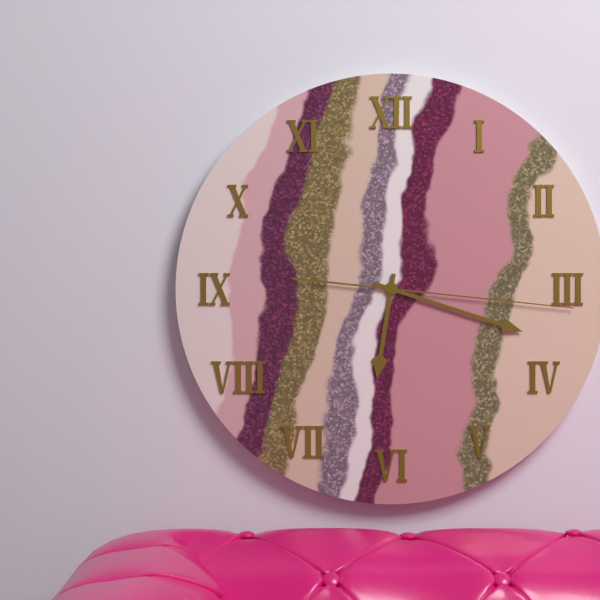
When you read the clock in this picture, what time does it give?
6:18:16
